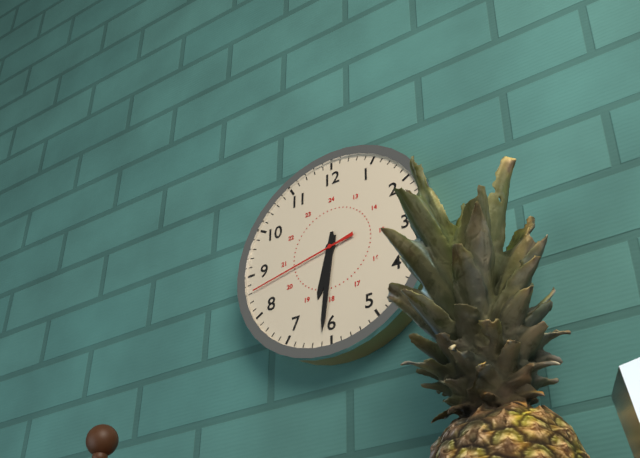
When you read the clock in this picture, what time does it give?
6:31:43
